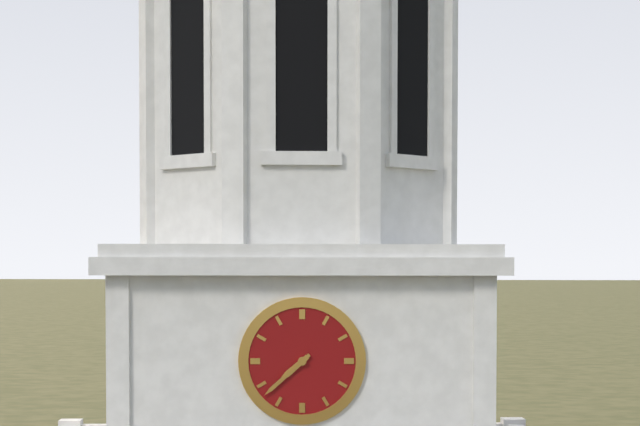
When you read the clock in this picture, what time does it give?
7:38
